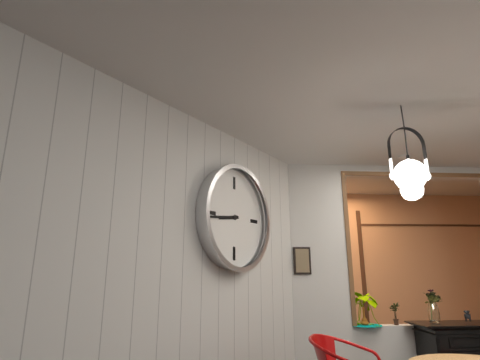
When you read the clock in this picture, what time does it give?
8:44
